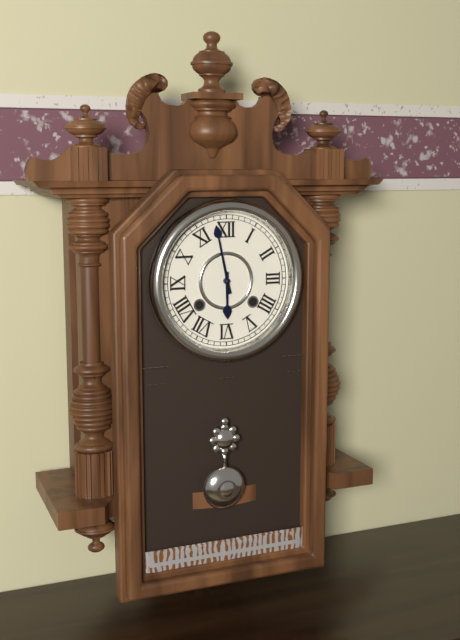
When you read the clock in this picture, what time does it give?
5:58
